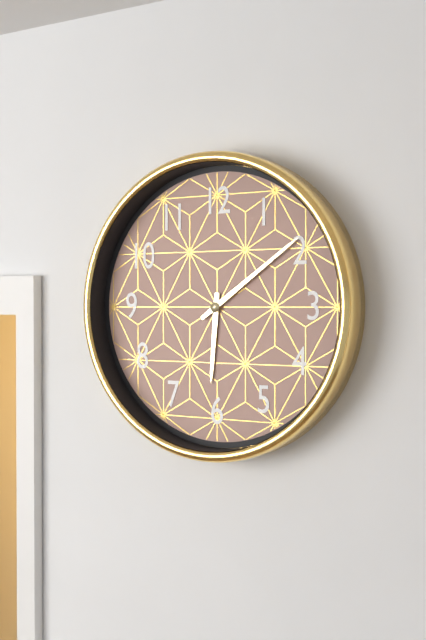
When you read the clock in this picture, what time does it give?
6:09
